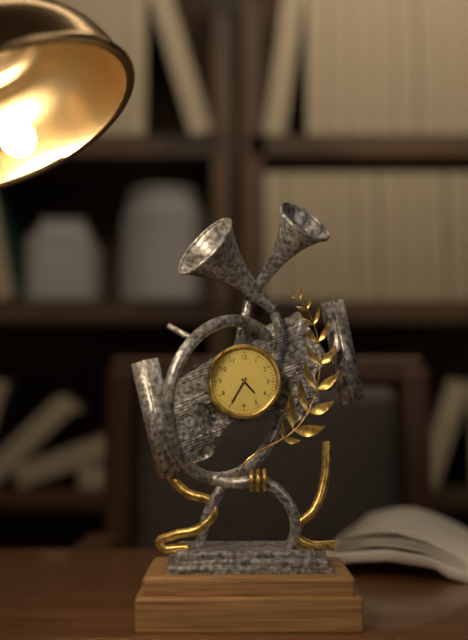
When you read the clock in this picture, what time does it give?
4:35
